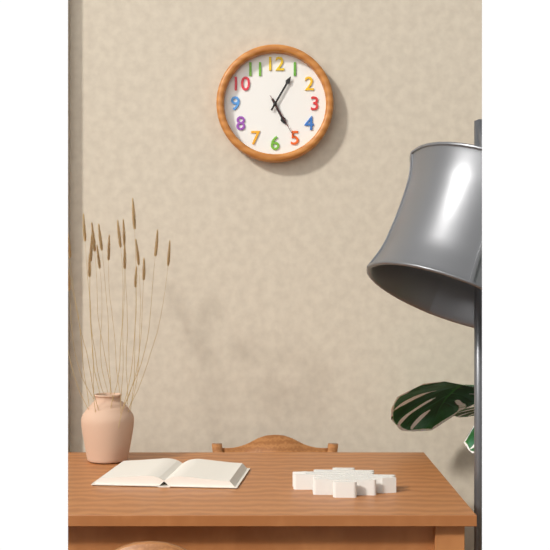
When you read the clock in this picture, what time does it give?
5:05
